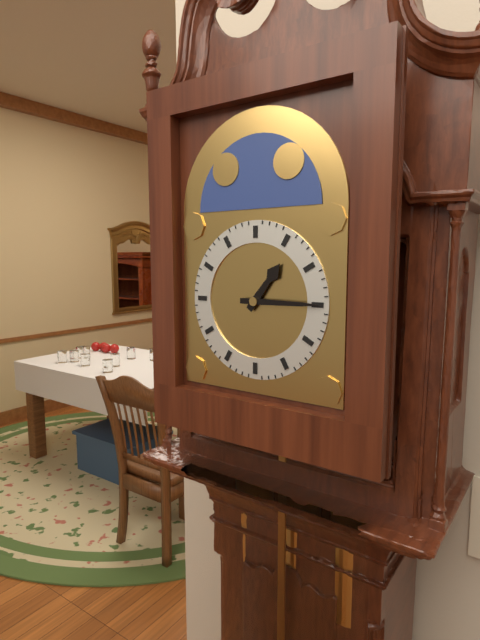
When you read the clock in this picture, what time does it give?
1:15
